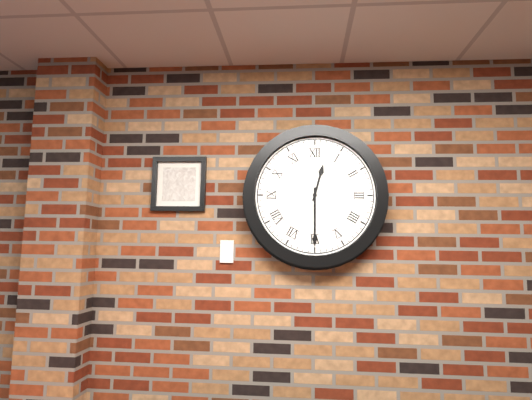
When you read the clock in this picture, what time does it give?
12:30
